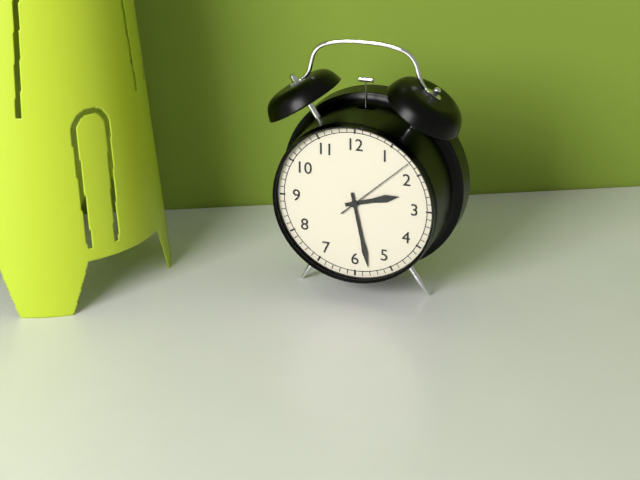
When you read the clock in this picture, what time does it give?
2:28:08
